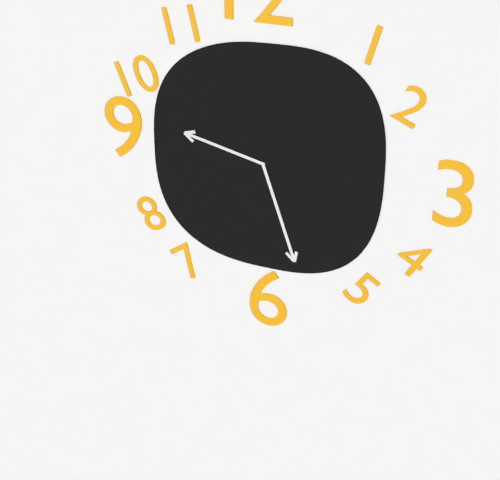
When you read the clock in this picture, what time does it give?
9:27
